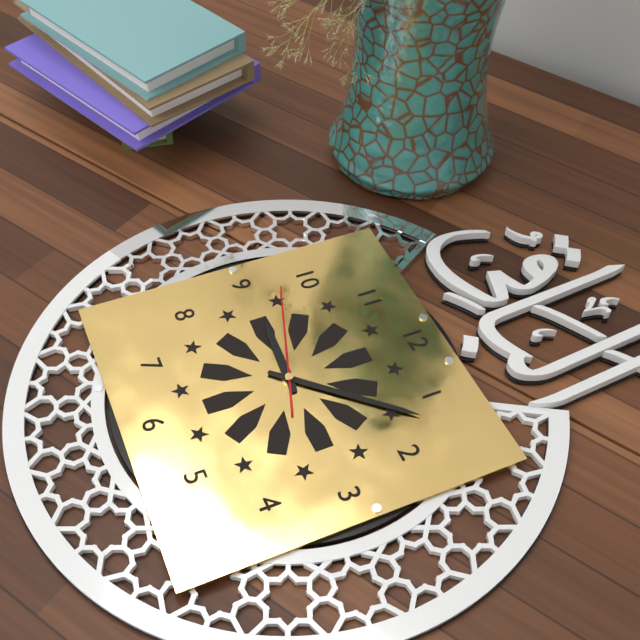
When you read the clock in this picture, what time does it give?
9:07:48
